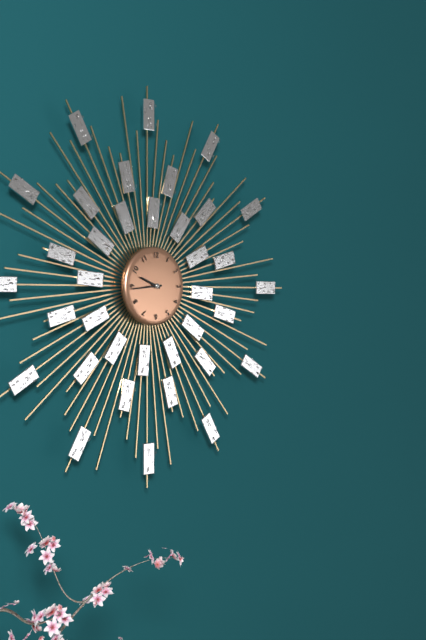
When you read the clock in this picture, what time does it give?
9:44
